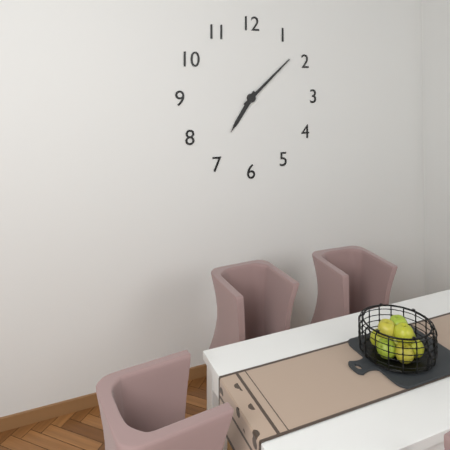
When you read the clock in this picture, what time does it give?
7:08
